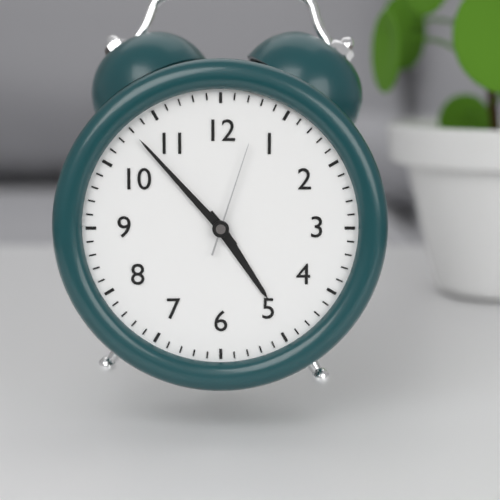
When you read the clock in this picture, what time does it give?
4:53:03
